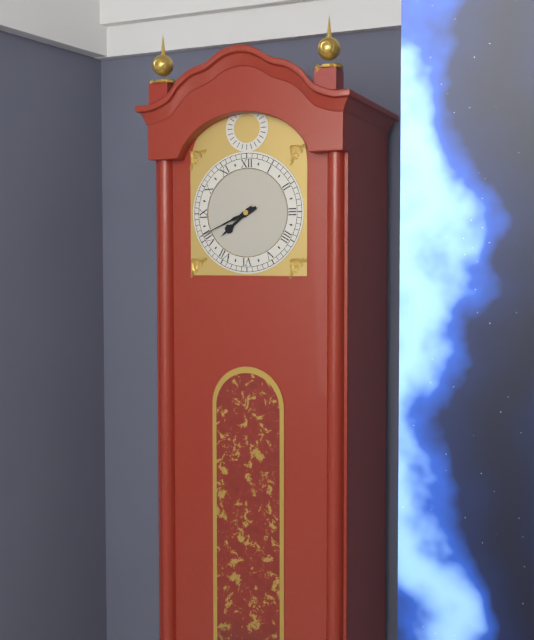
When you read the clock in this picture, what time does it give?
7:41
